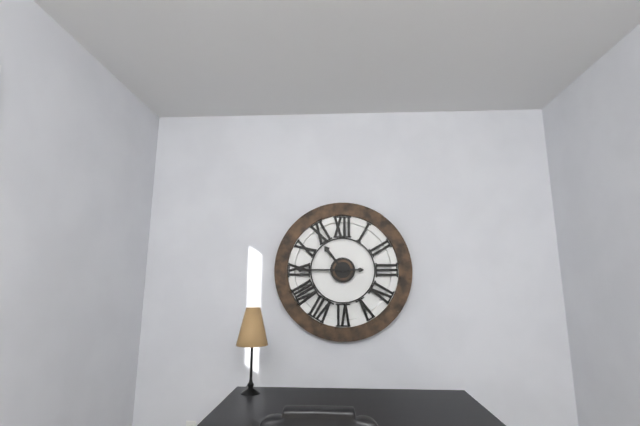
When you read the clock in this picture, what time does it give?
10:45
